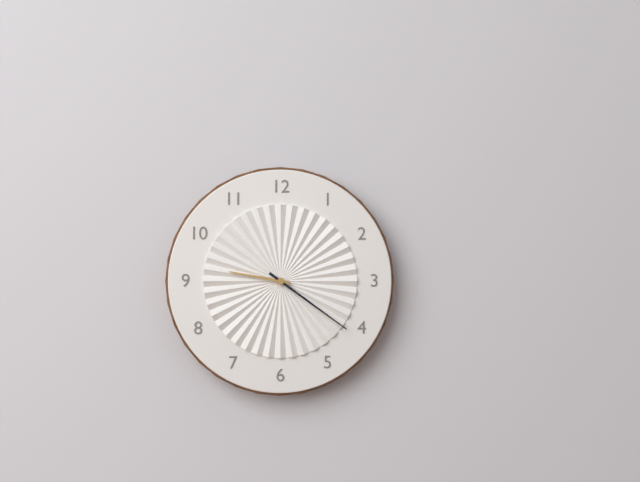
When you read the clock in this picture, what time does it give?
9:21
